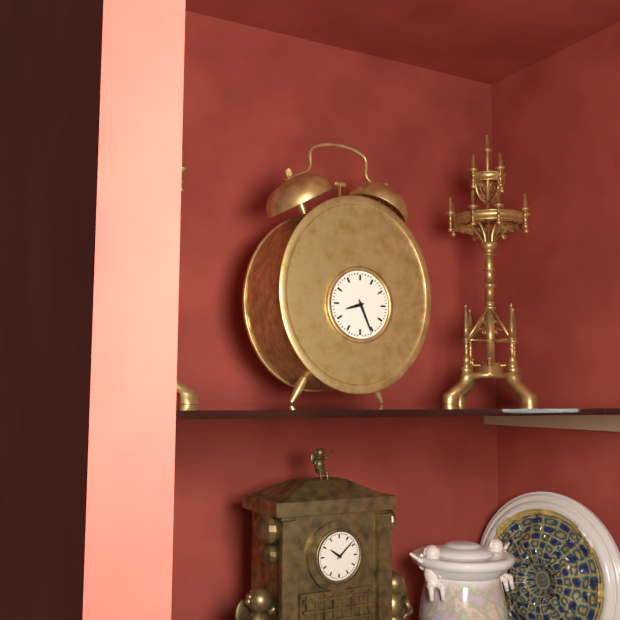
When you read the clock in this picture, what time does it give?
8:26
